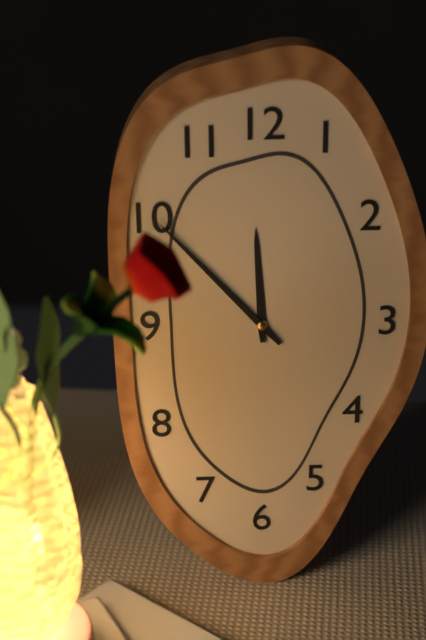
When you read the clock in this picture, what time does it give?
11:53
